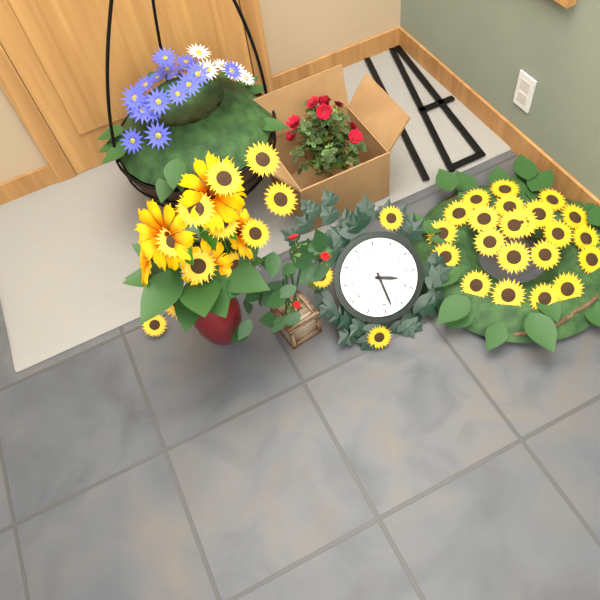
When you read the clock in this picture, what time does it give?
3:28
